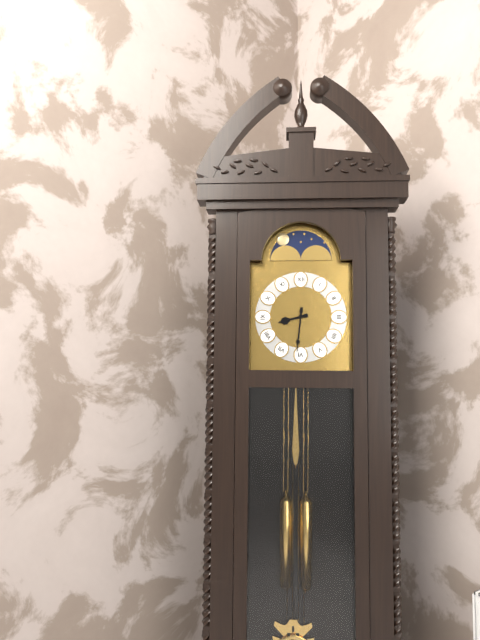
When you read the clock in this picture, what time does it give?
8:31
